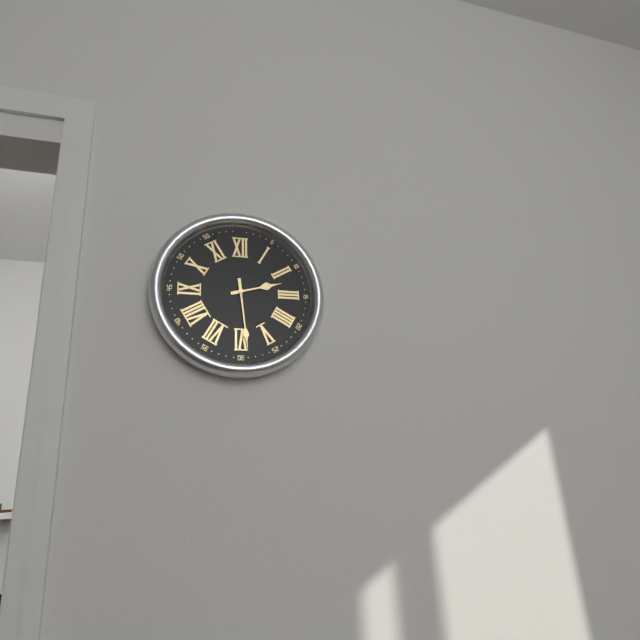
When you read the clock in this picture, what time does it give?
2:29
